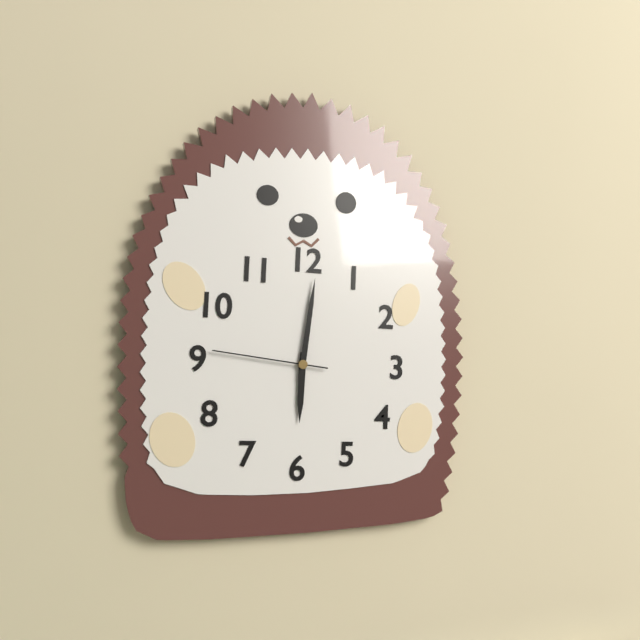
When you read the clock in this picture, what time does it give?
6:01:46
